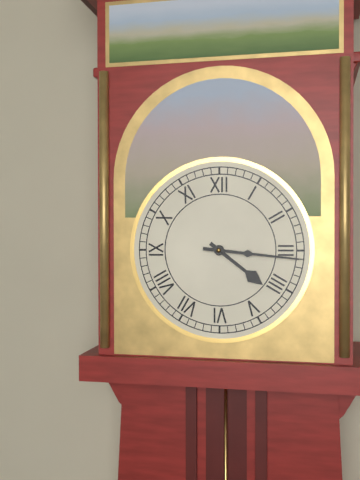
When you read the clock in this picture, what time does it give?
4:16
